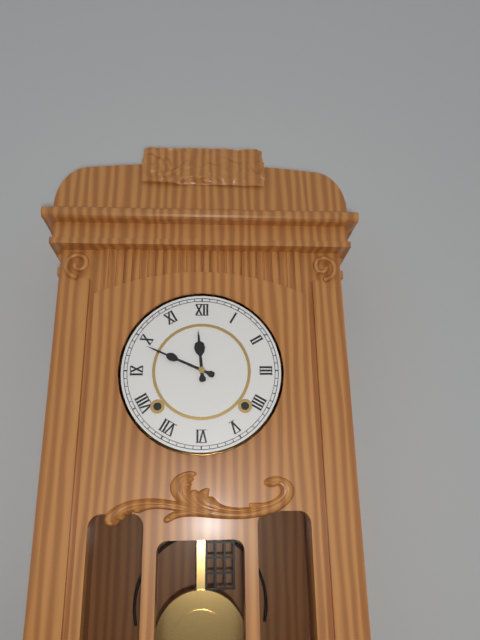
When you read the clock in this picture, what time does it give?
11:49
